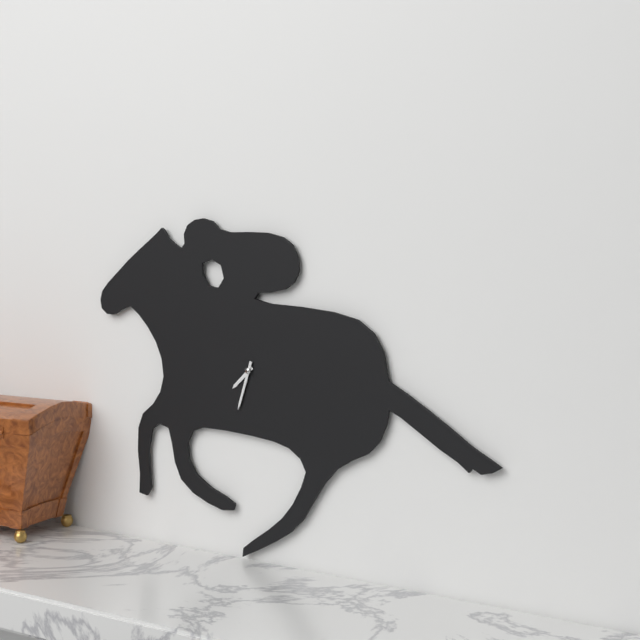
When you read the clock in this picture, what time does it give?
7:33
